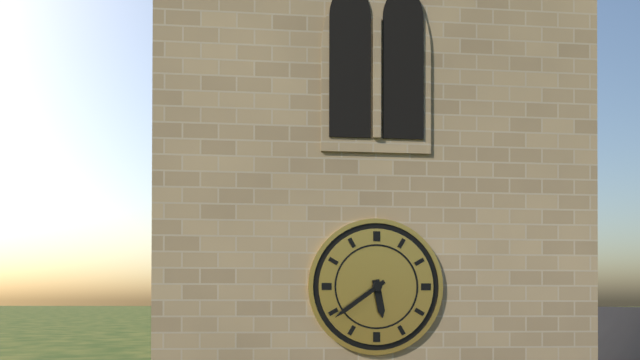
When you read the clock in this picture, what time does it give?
5:39
